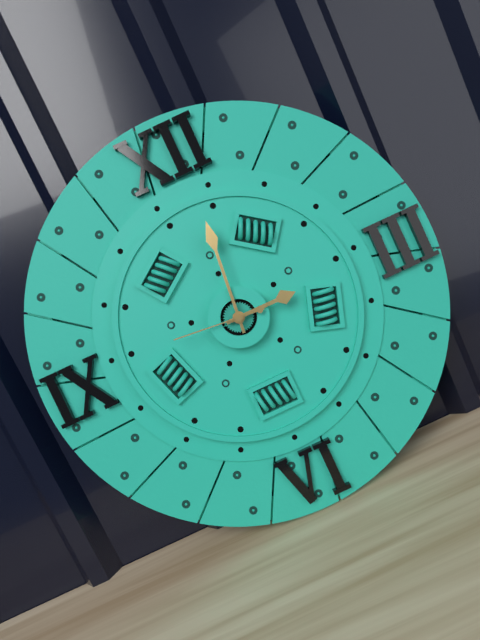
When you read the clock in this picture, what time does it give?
3:01:46
